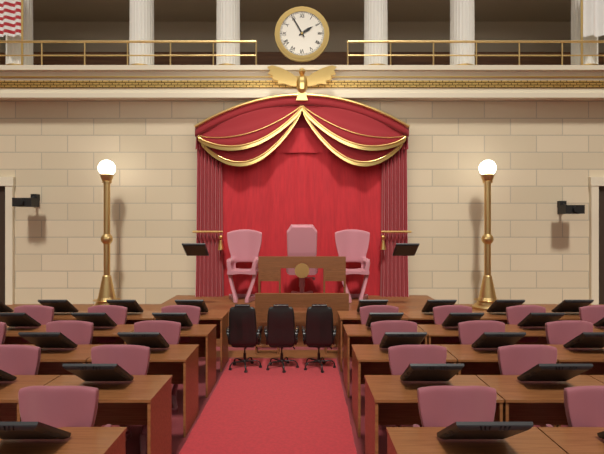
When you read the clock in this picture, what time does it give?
1:55
